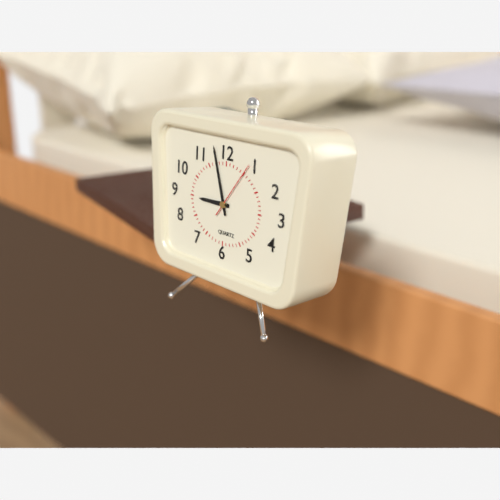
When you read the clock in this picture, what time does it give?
8:57:06
